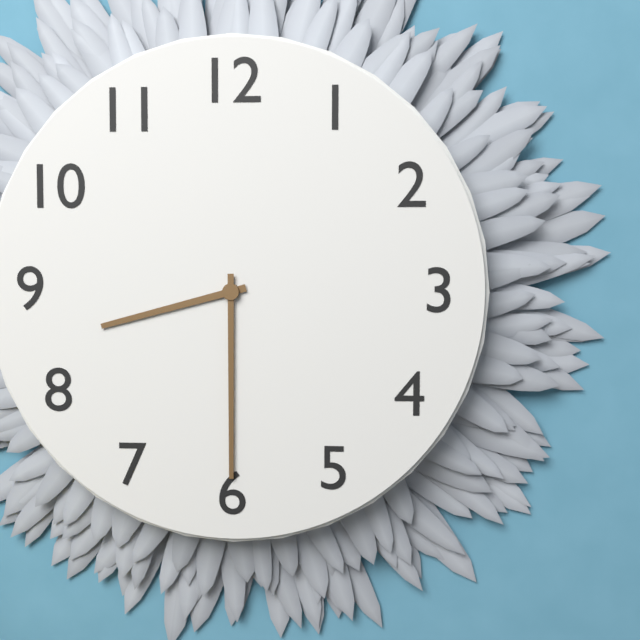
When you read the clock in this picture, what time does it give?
8:30
